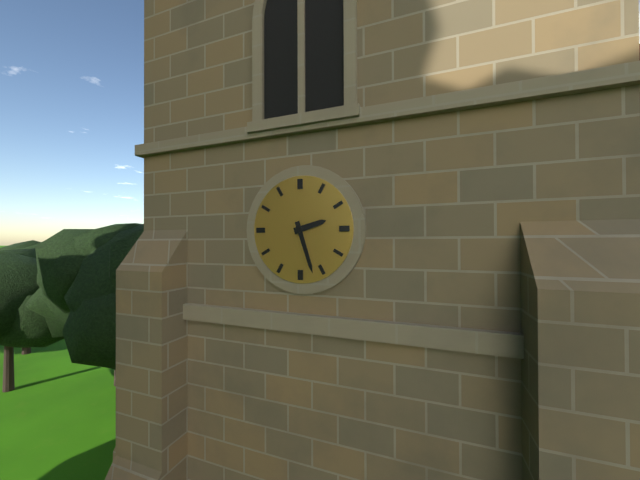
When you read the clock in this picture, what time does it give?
2:27
